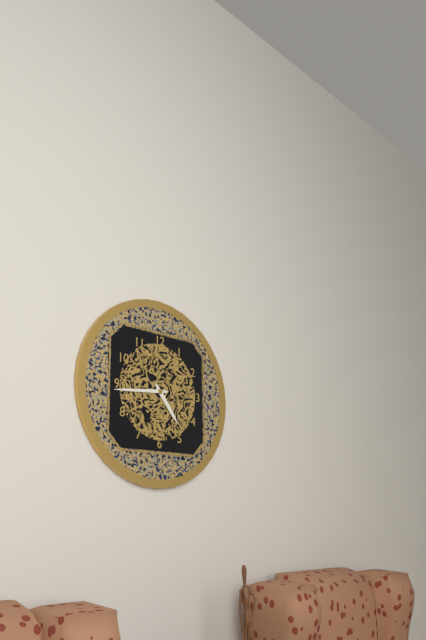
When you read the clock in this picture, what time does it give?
4:44
